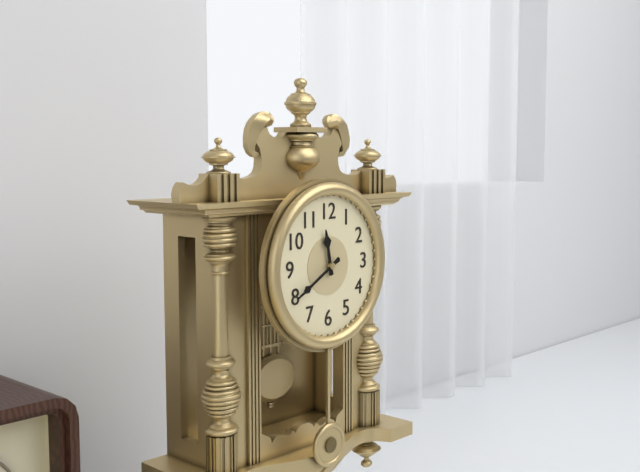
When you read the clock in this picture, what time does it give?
11:40
